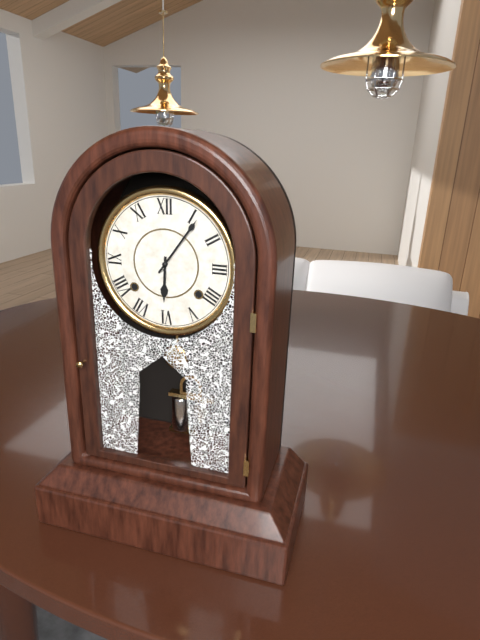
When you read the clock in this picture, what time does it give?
6:06
